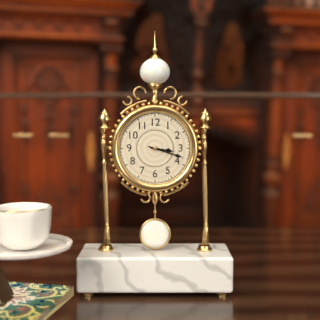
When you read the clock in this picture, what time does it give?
3:18
